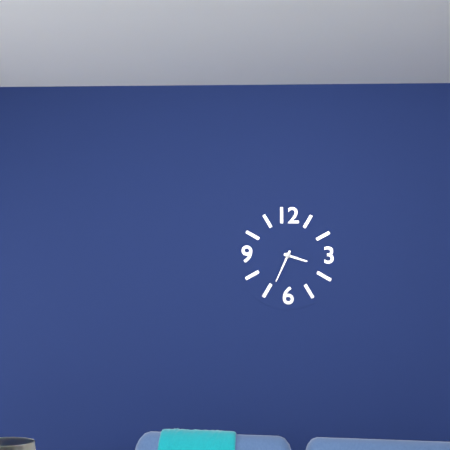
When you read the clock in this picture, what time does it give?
3:34
